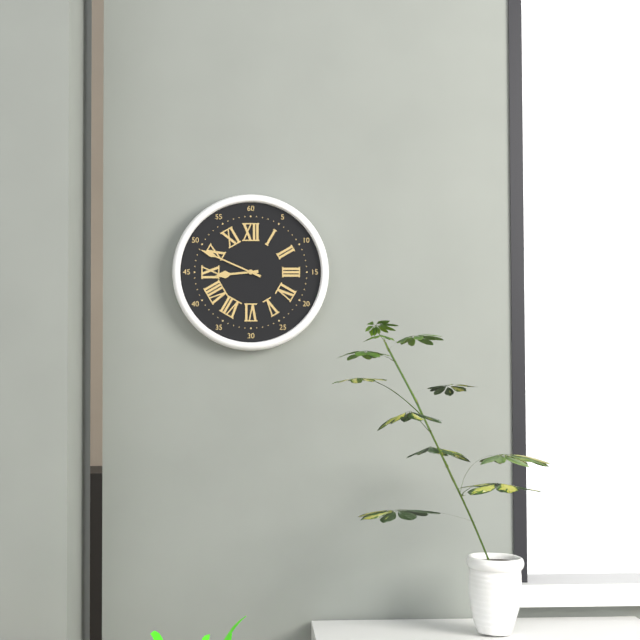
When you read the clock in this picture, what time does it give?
8:49
